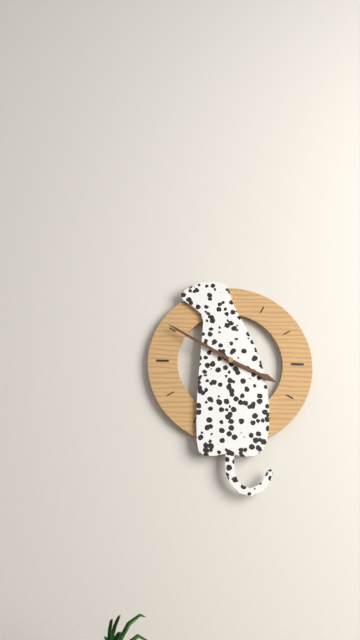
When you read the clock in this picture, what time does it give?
3:50
